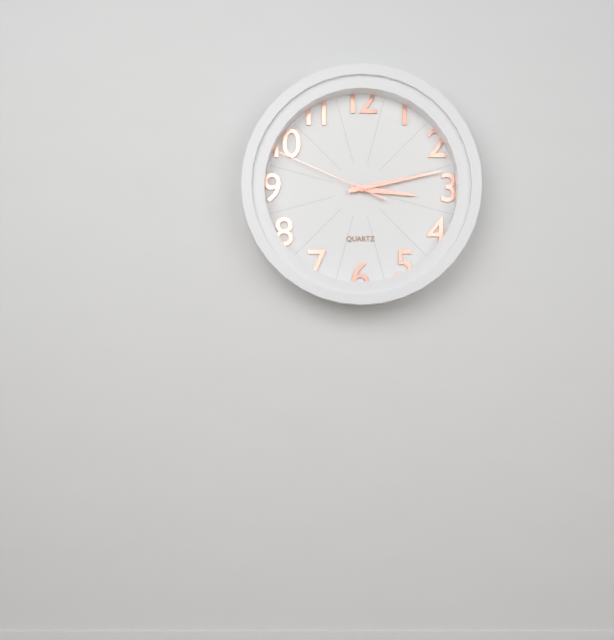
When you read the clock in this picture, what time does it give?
3:13:49
